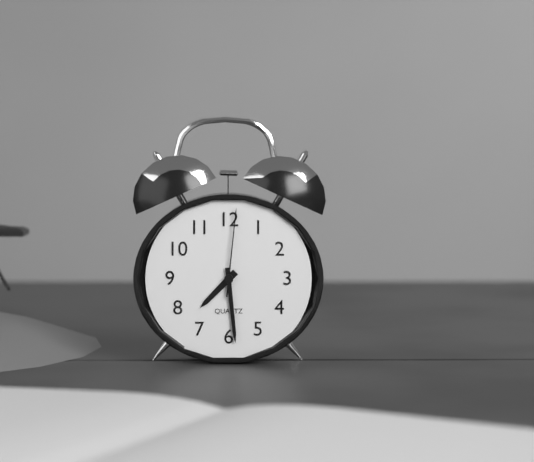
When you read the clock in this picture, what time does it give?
7:29:01
